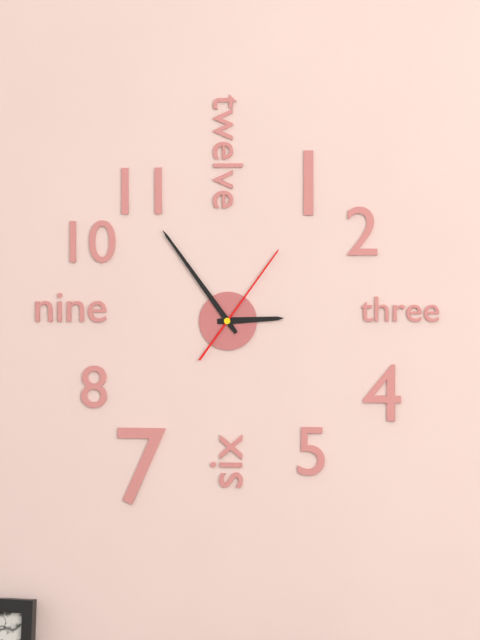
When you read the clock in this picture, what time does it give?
2:54:06
